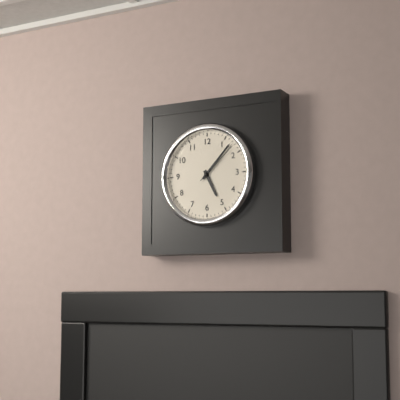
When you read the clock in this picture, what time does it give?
5:07
